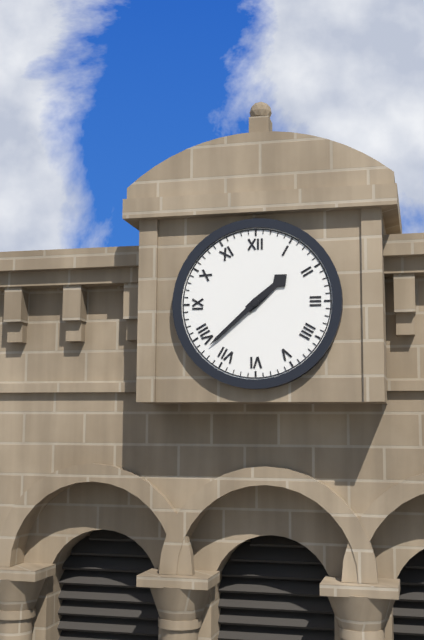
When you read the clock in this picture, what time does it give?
1:38
